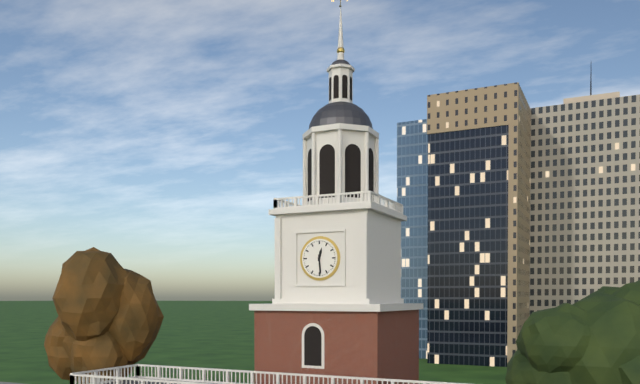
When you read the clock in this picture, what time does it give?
12:29
